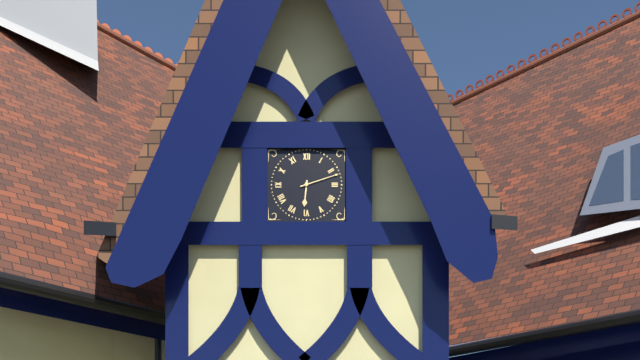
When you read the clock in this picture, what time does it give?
6:12
